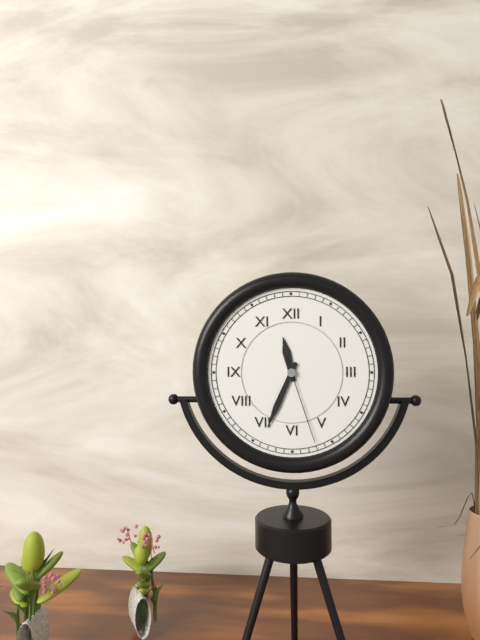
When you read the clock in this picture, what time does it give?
11:34:27
